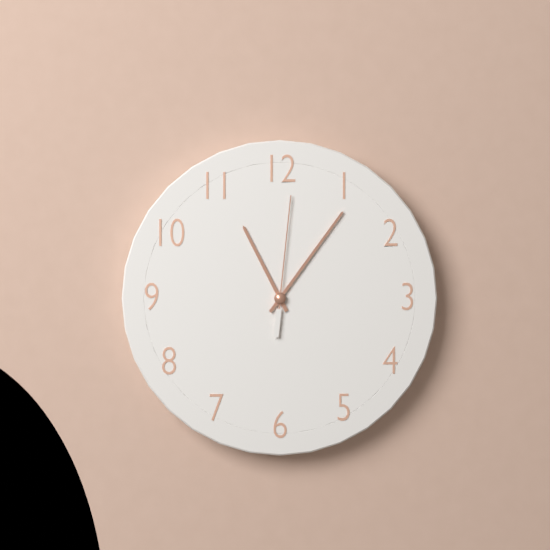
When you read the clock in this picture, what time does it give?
11:06:01
